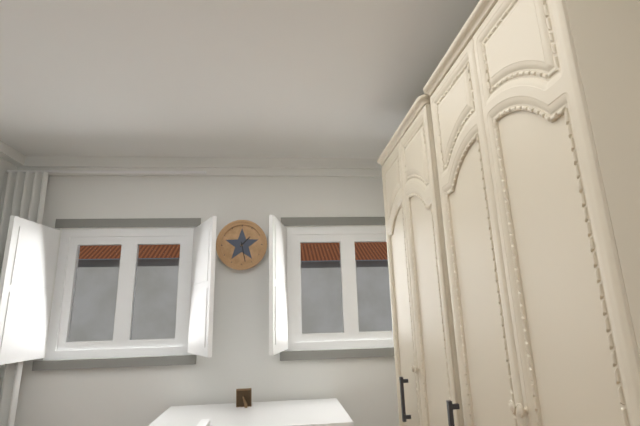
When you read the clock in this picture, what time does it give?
1:28
